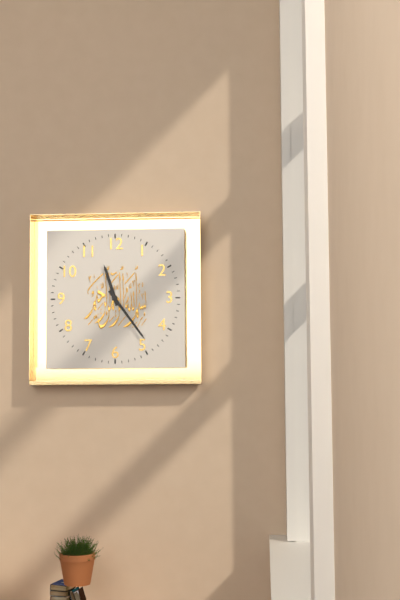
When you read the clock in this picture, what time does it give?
11:24
